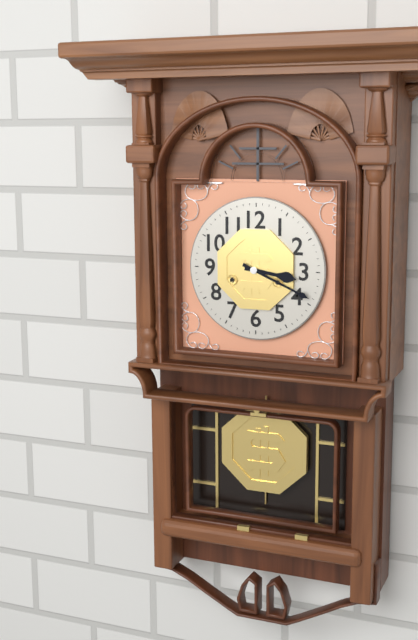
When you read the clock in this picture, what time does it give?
3:19
